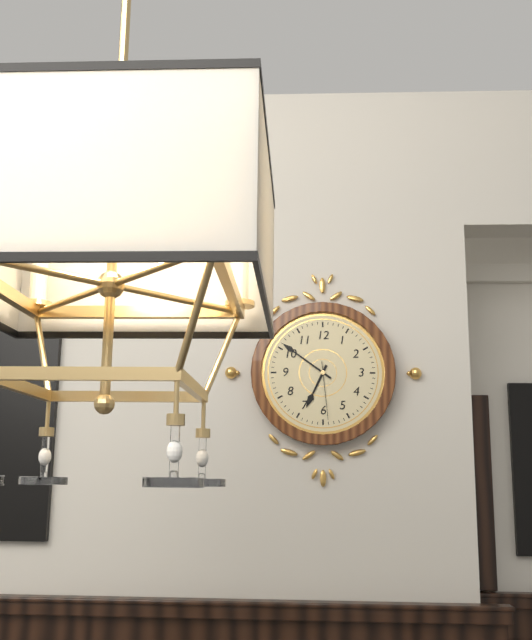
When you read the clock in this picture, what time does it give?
6:51:29
